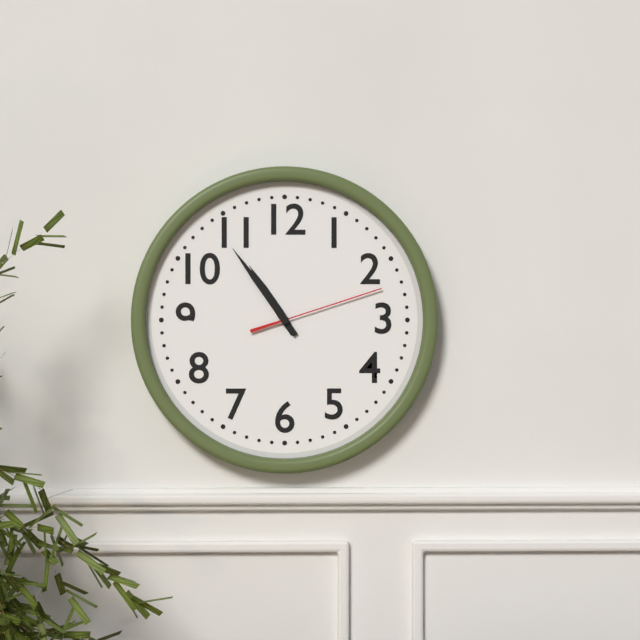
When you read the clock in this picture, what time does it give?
10:54:12
